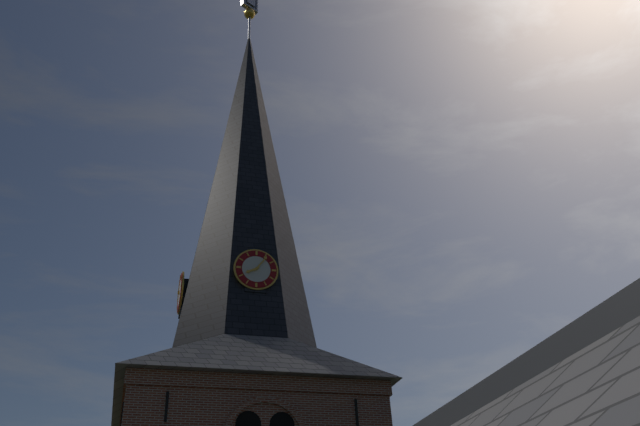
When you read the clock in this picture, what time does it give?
8:06
